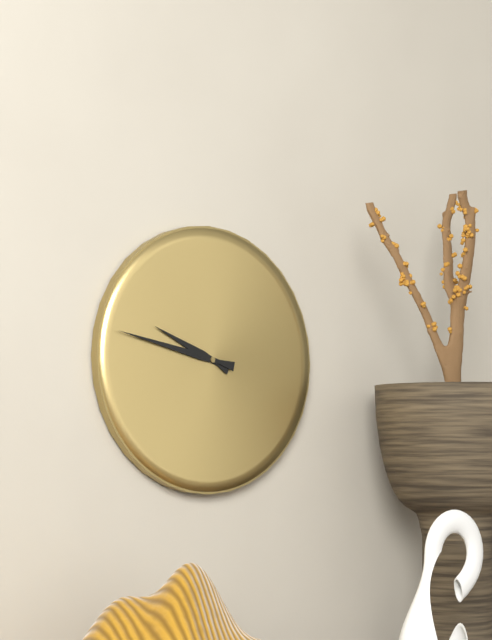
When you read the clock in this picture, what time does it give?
9:47
